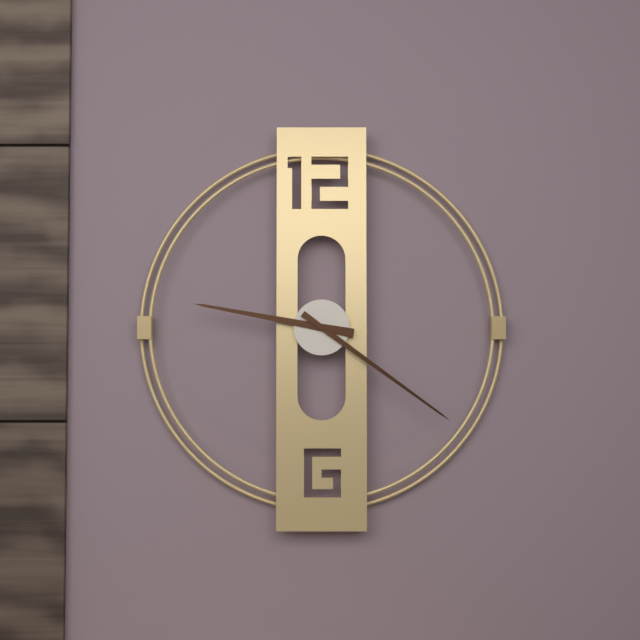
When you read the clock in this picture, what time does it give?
9:21
